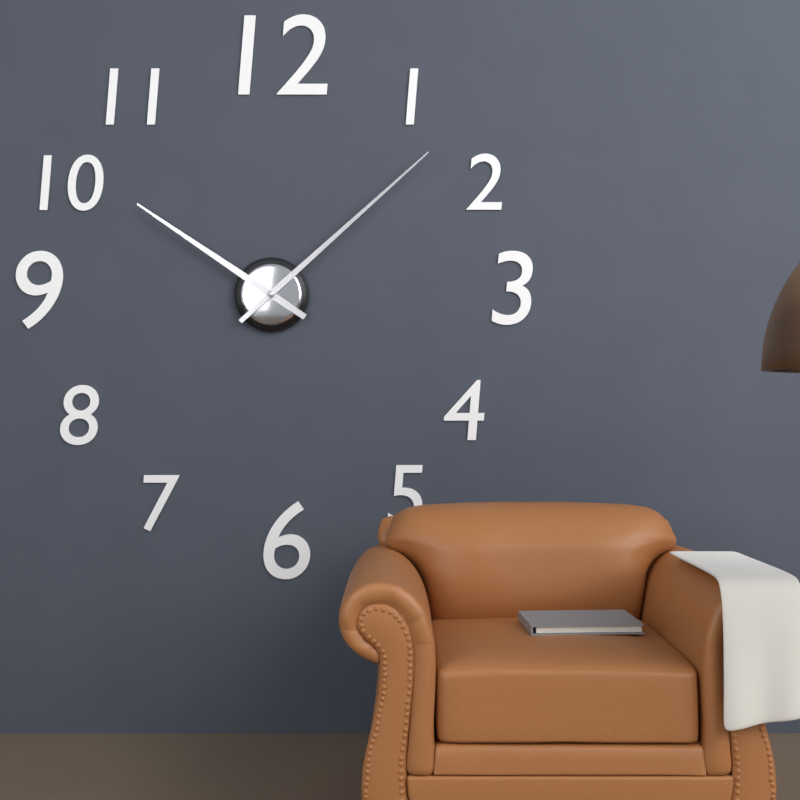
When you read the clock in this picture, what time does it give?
10:08
